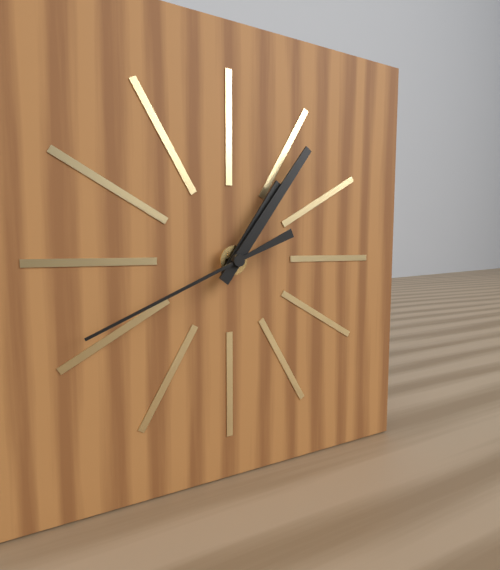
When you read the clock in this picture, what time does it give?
1:06:41
